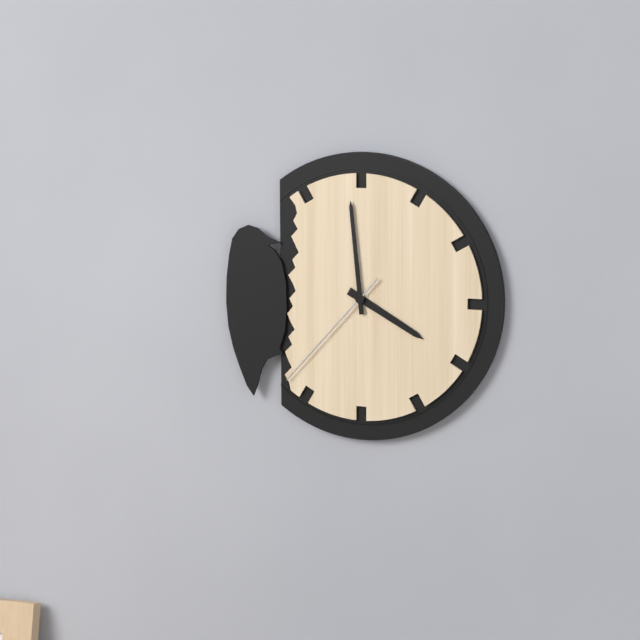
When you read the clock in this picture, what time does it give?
3:59:37
